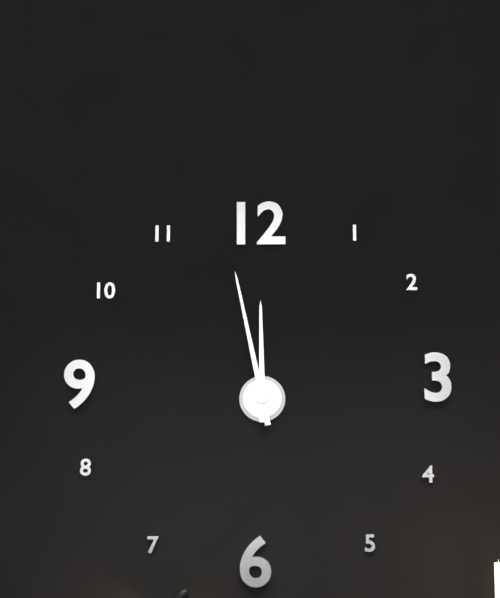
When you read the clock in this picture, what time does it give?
11:58
